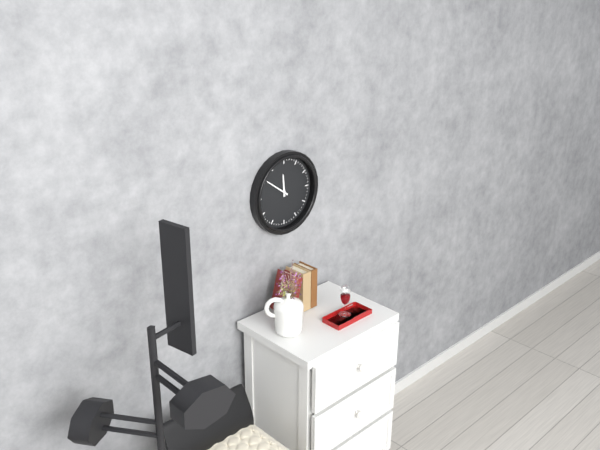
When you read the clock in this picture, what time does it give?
11:51
